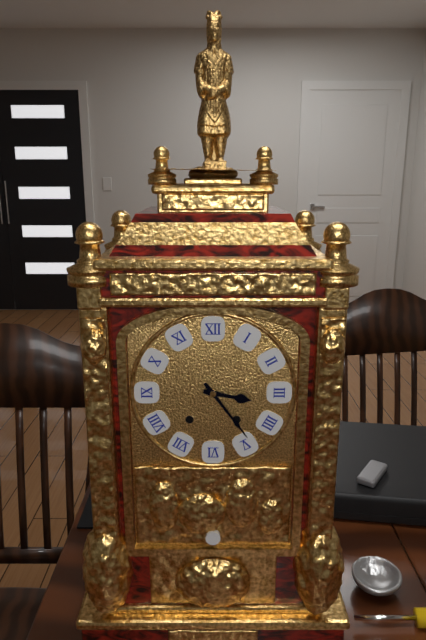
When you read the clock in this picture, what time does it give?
3:24
